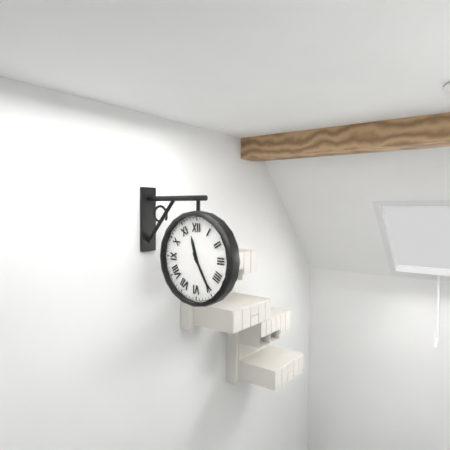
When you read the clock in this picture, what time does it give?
11:25
